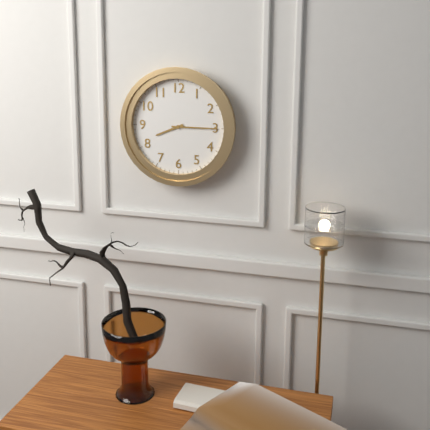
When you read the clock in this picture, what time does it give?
8:15
